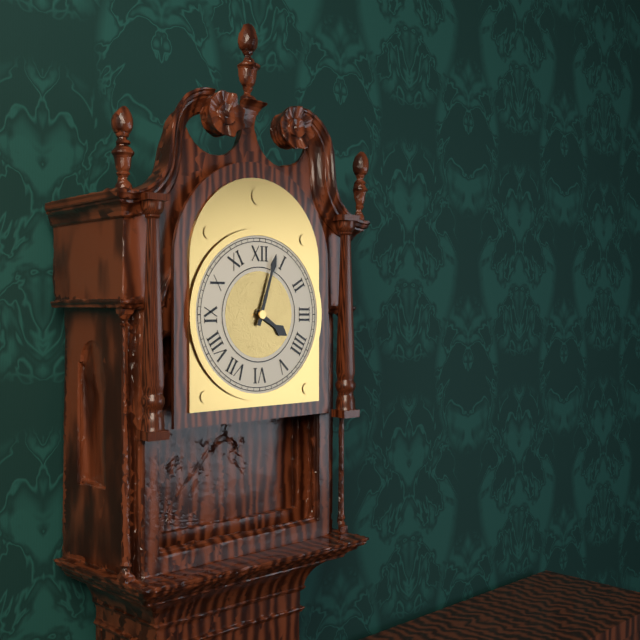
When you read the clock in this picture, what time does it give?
4:03
